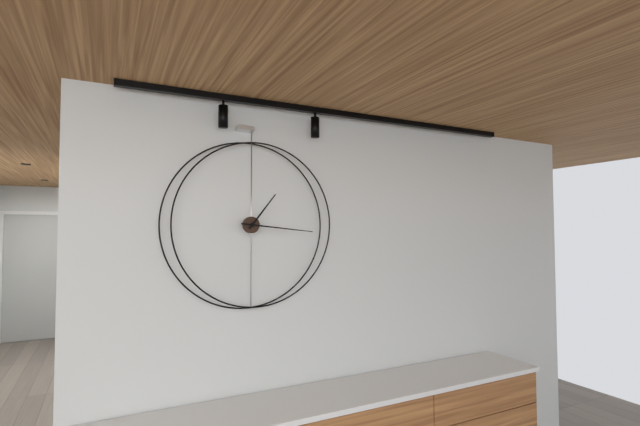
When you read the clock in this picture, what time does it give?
1:16
